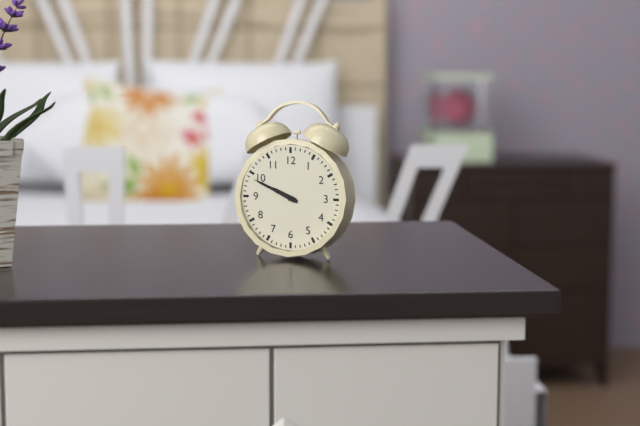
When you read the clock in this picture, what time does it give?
9:49
